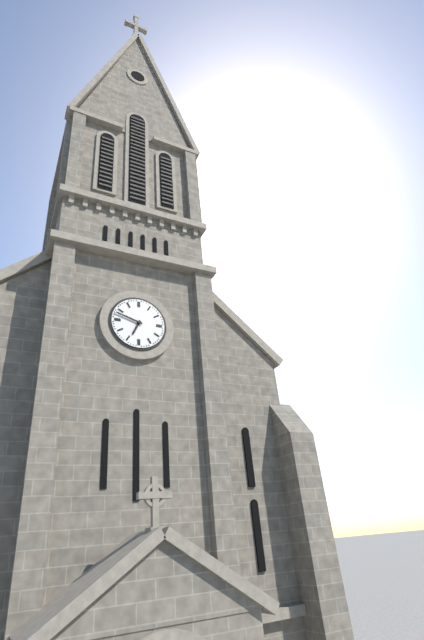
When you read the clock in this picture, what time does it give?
6:48
